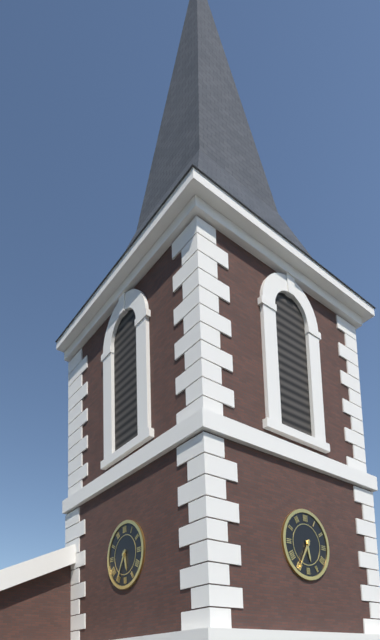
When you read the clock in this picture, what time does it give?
5:35
